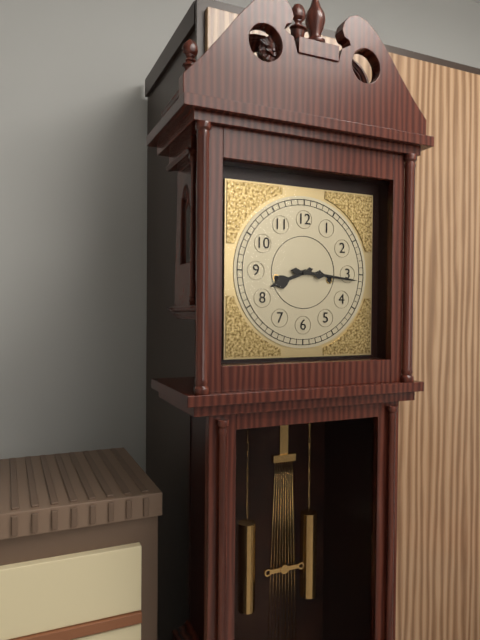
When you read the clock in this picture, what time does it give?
8:16
